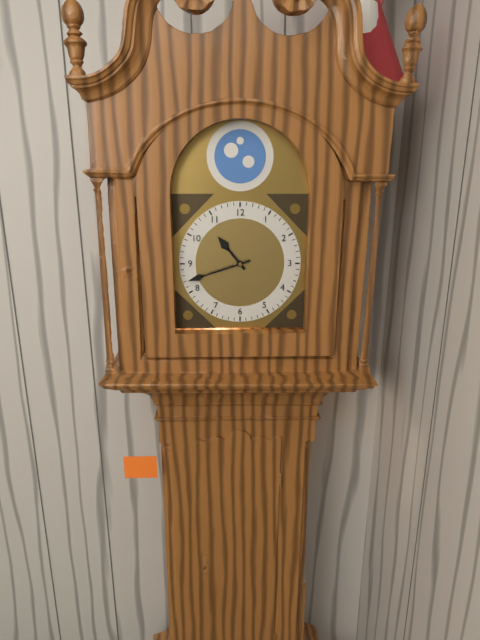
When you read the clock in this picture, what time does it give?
10:42
